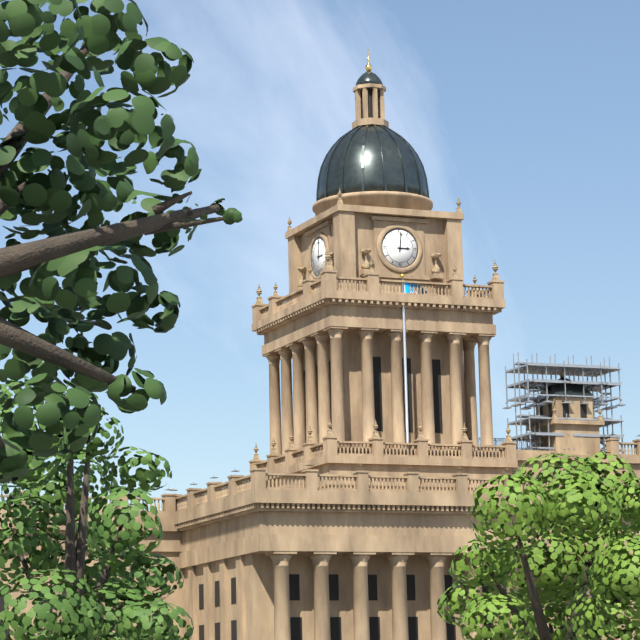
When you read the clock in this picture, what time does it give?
3:01
